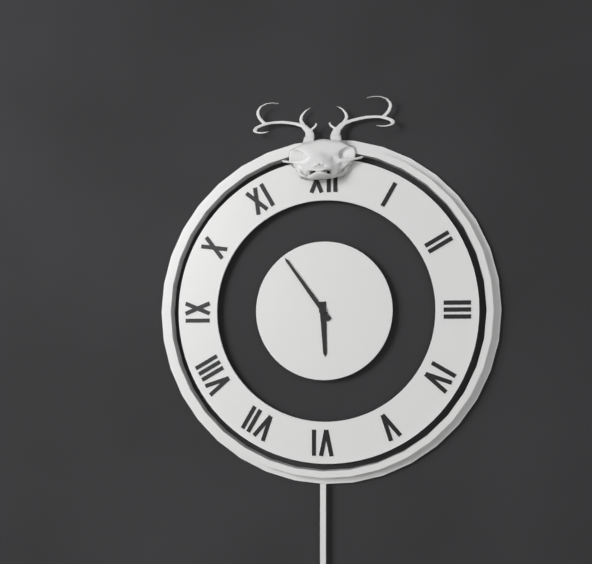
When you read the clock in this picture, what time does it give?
5:54
